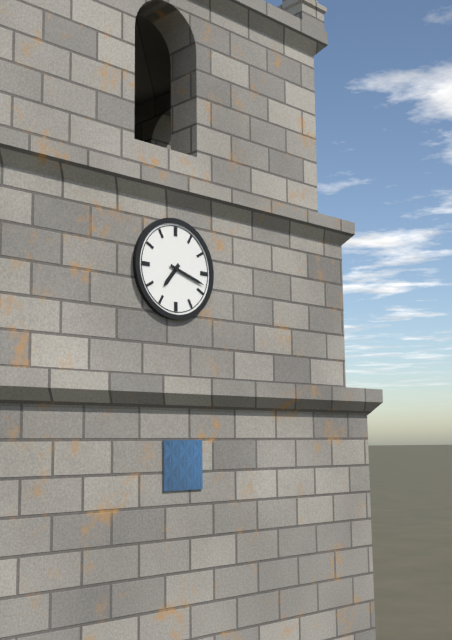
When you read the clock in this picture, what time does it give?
7:18
